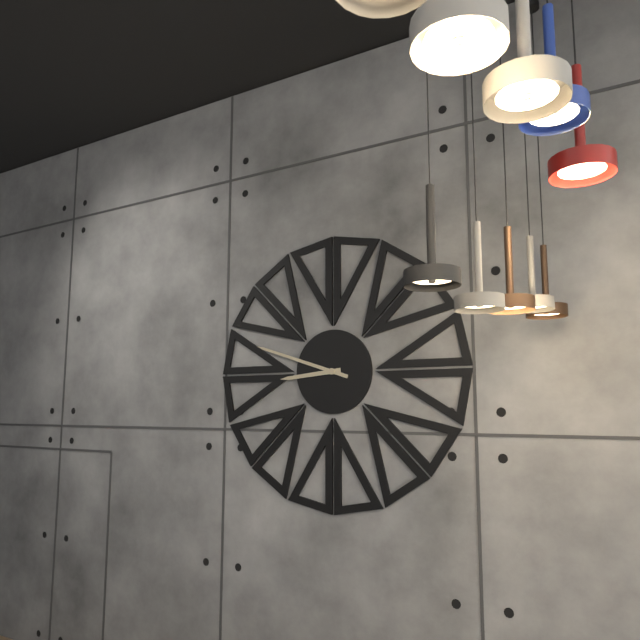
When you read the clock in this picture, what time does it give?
8:48
